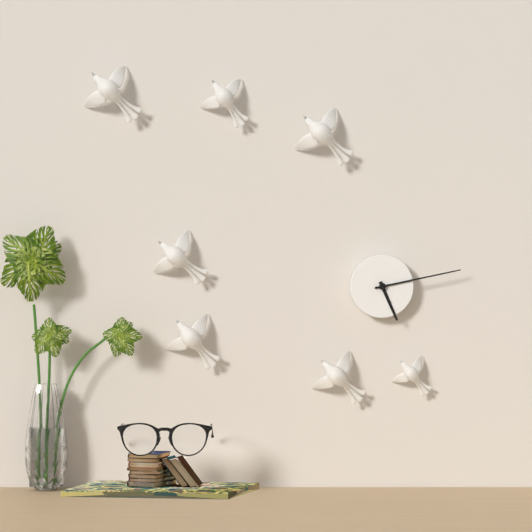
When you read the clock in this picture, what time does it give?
5:13
